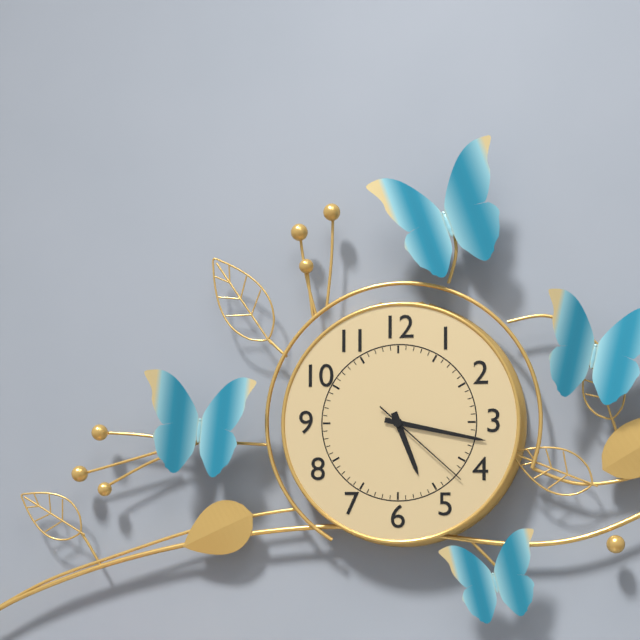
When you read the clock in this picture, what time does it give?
5:17:22
